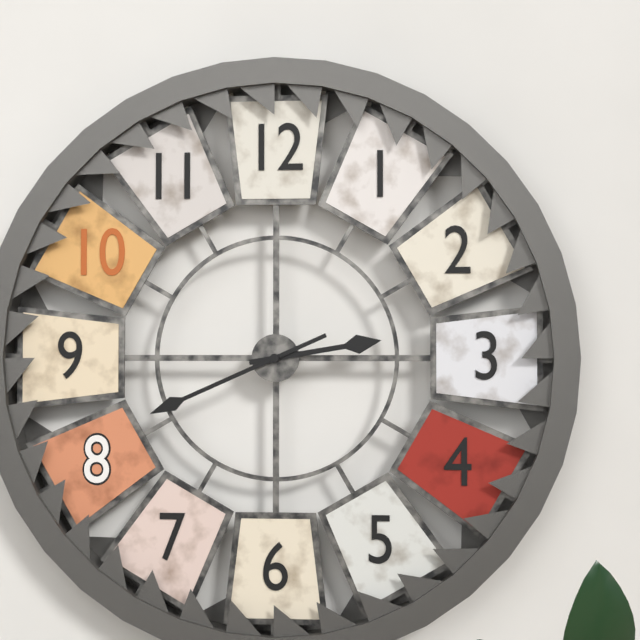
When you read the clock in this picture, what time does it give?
2:41
